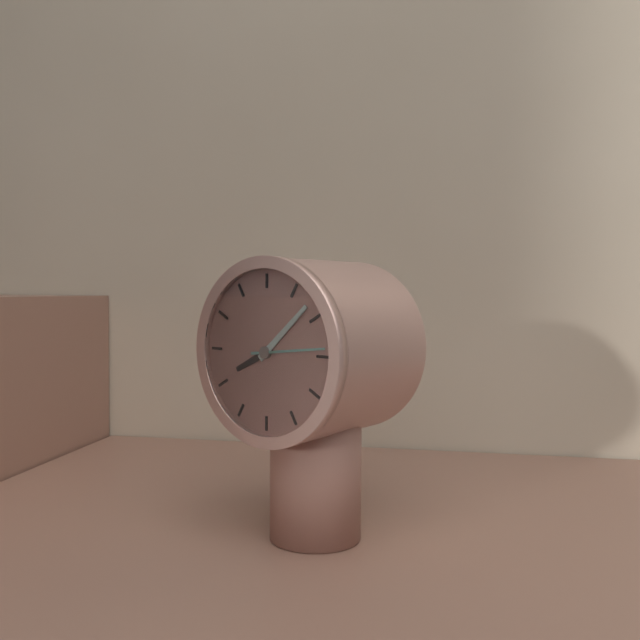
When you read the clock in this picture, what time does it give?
8:08:14
